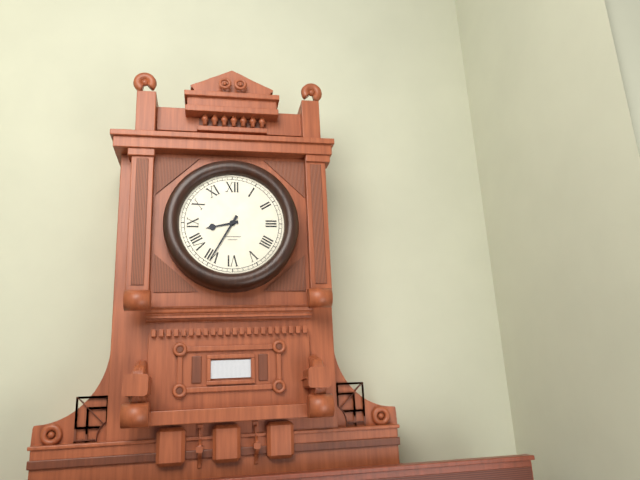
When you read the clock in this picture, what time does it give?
8:35
